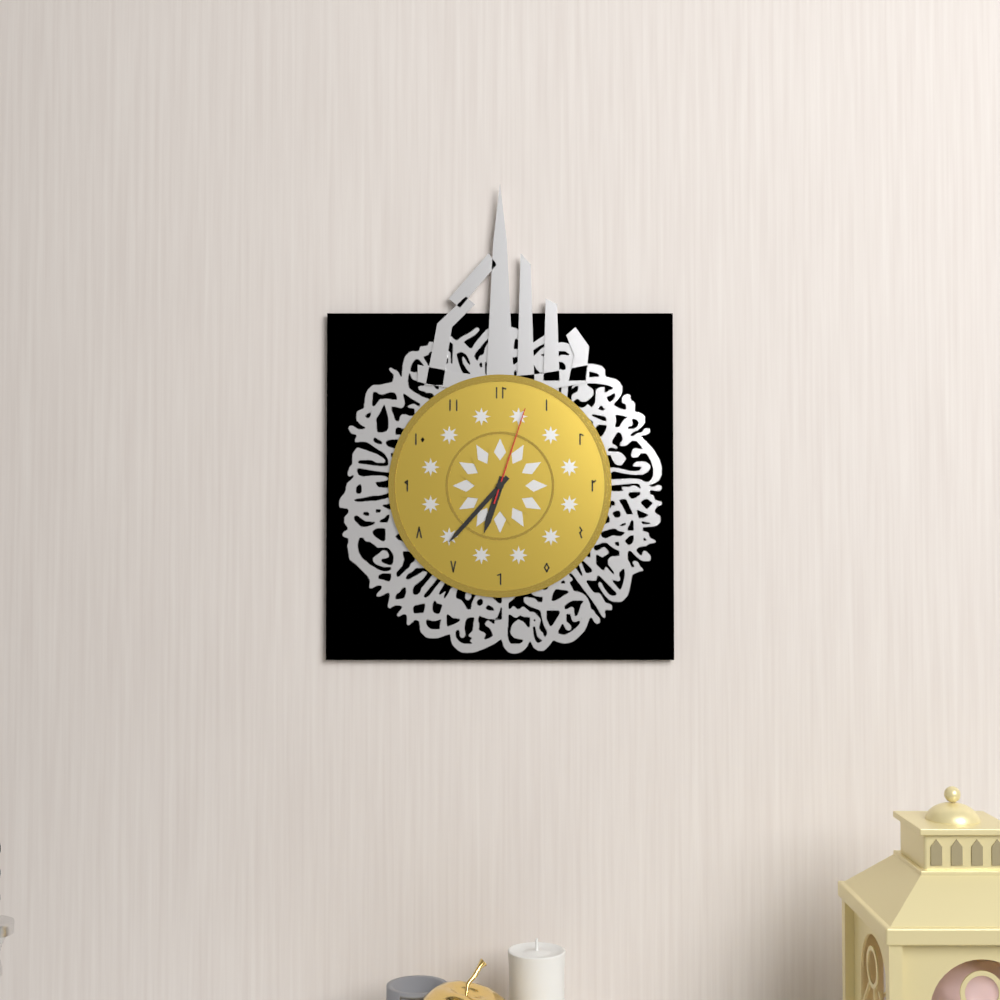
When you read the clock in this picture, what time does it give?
6:37:03
